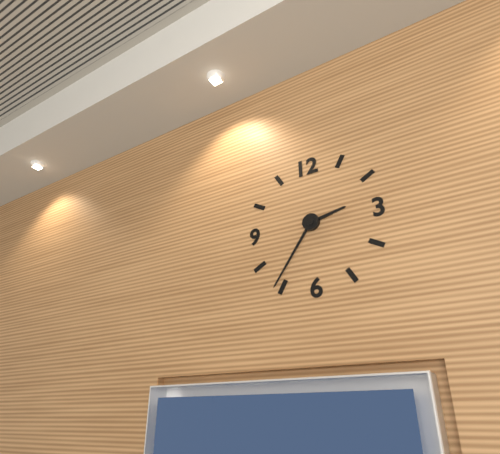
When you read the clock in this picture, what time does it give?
2:36
